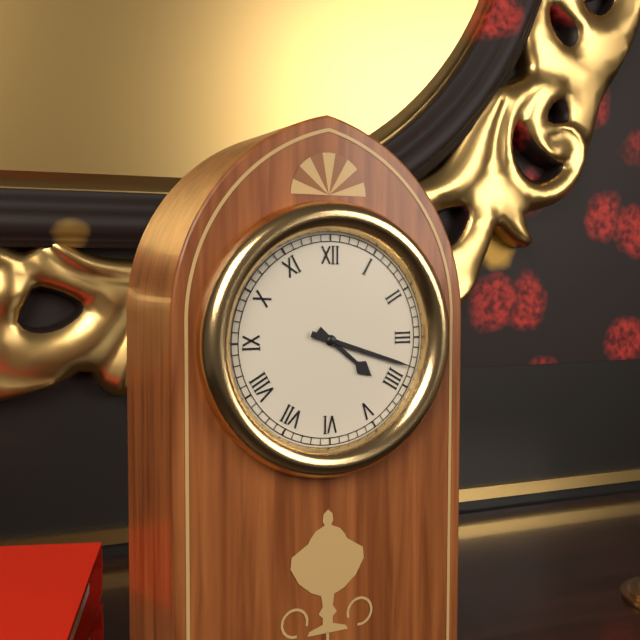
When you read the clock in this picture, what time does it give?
4:18
